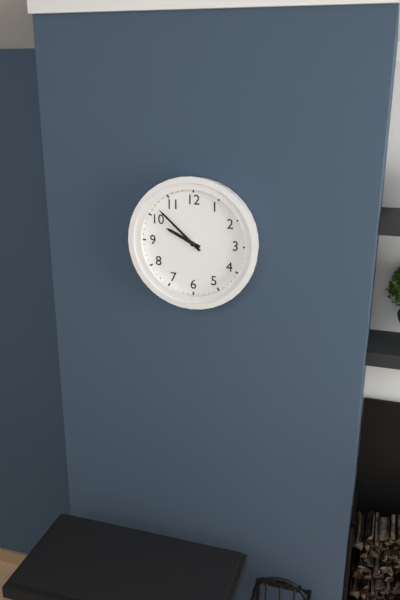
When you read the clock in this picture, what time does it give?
9:52
